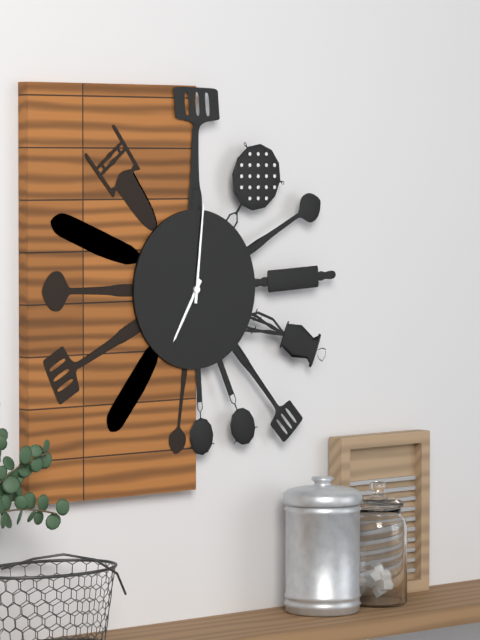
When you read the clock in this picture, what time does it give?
7:01
